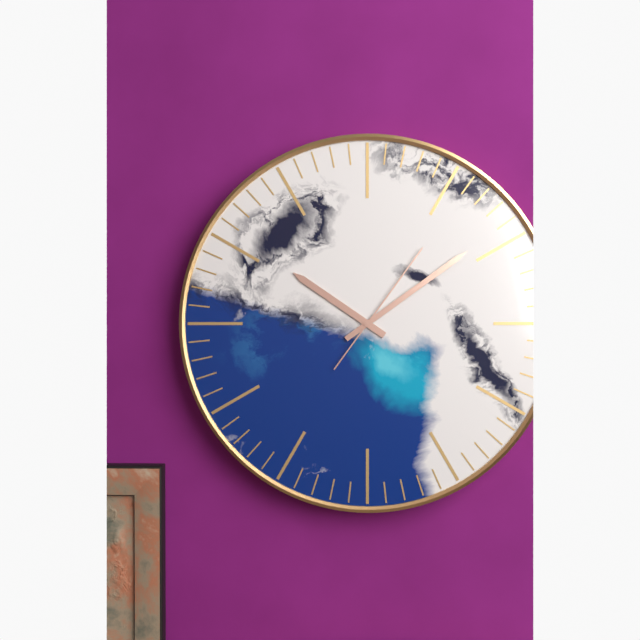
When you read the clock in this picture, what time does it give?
10:09:06
